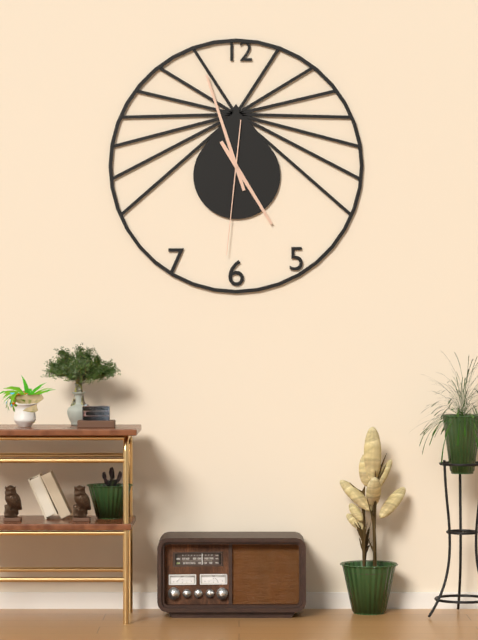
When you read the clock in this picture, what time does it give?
4:57:31
